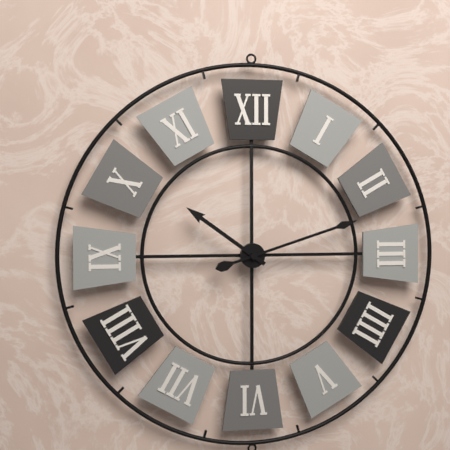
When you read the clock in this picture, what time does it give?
10:12
